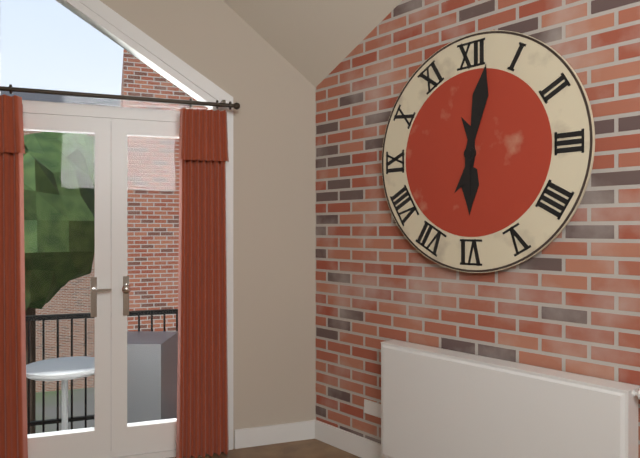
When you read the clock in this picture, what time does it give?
6:02
